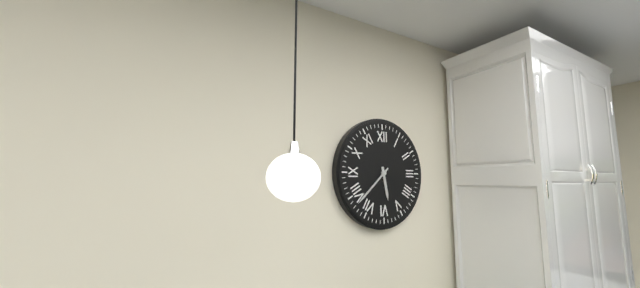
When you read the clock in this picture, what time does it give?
5:38
